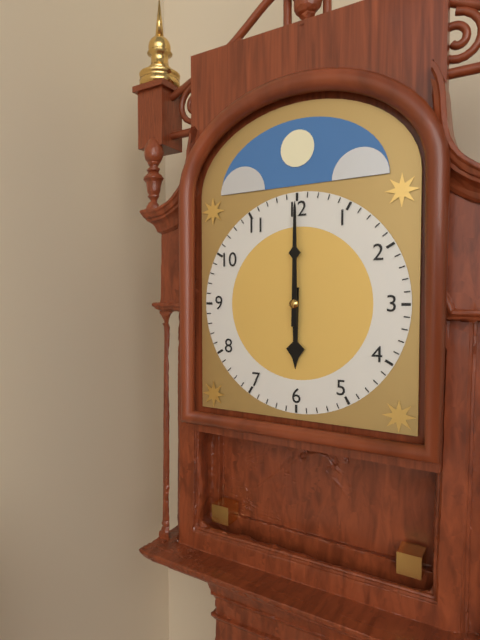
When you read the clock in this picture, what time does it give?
6:00
